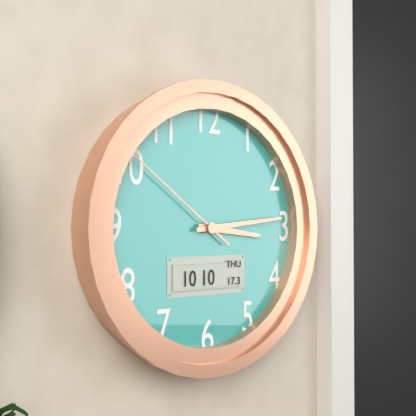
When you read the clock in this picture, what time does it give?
3:14:51
